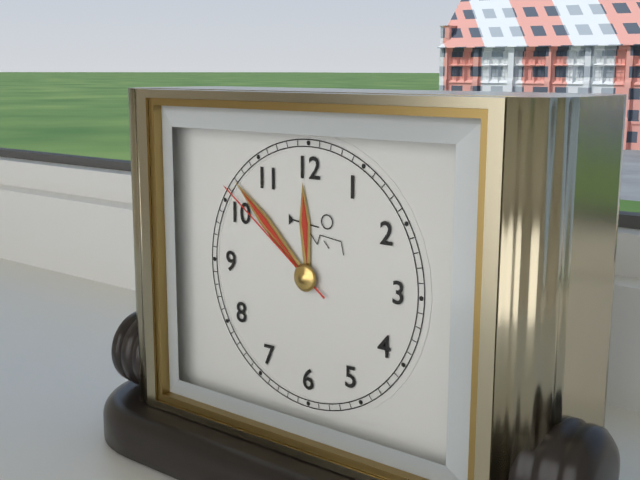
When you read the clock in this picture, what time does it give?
11:52:51
